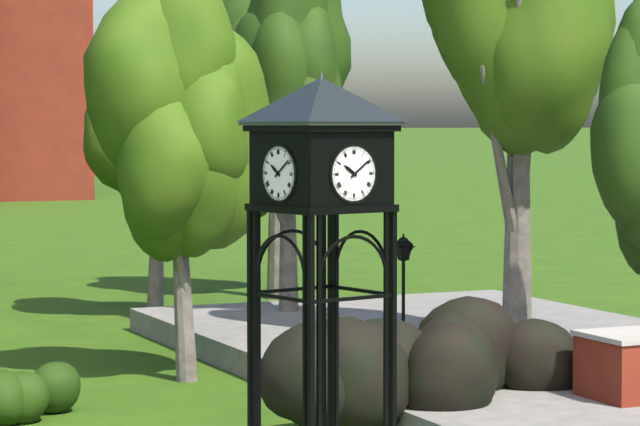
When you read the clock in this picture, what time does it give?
10:09
